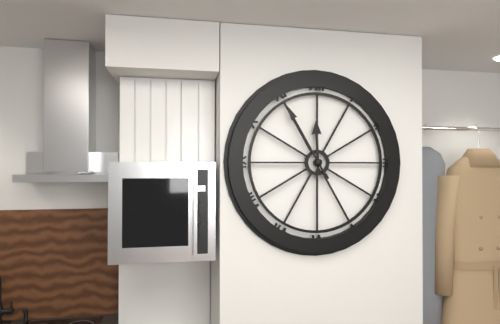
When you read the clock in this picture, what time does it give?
11:55
